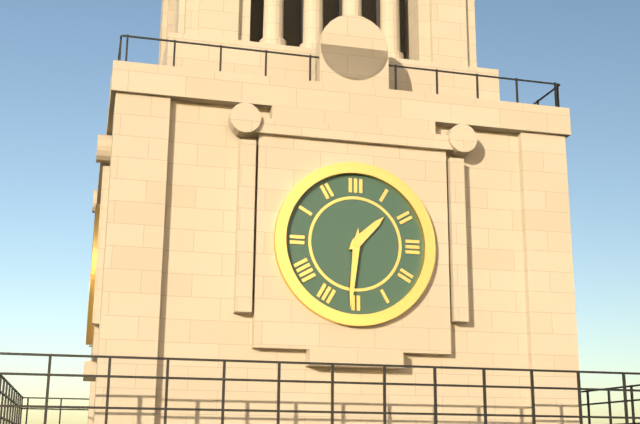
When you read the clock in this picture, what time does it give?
1:31
